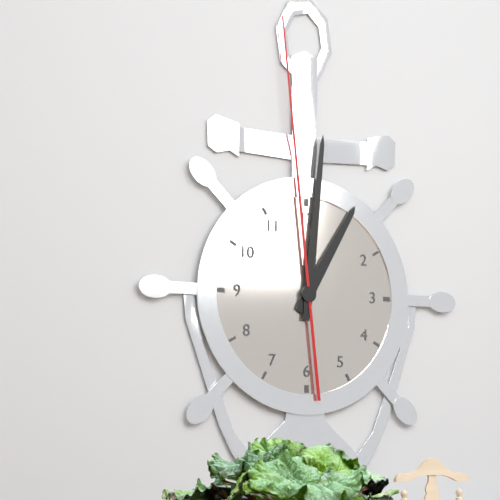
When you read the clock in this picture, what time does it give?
1:01:59
